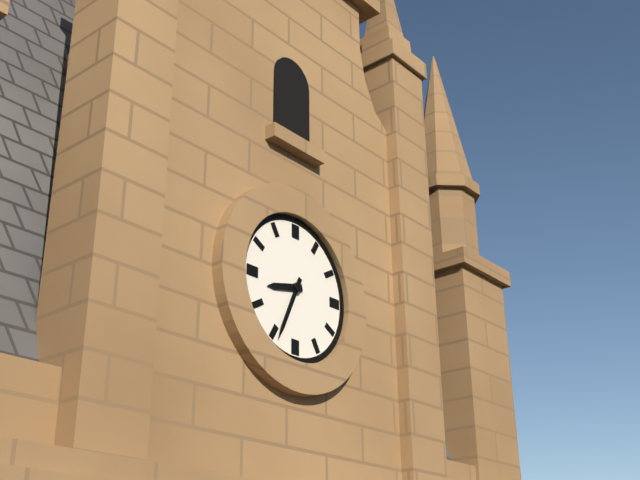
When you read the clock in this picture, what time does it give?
8:34
